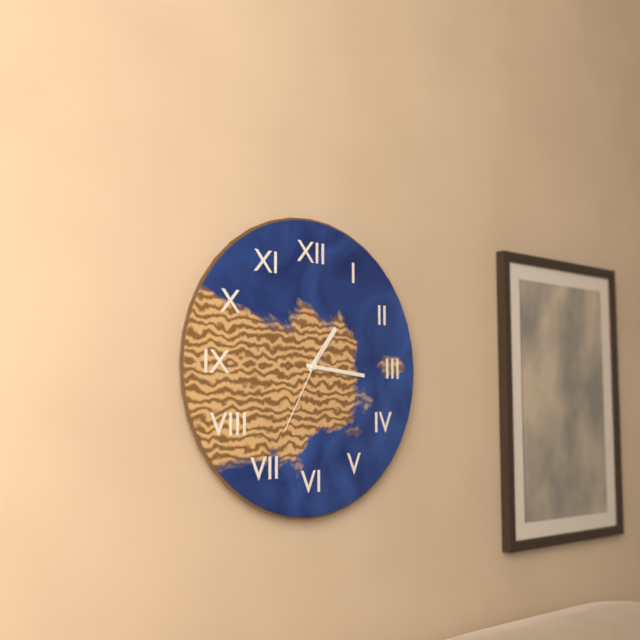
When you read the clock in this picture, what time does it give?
1:16:35
